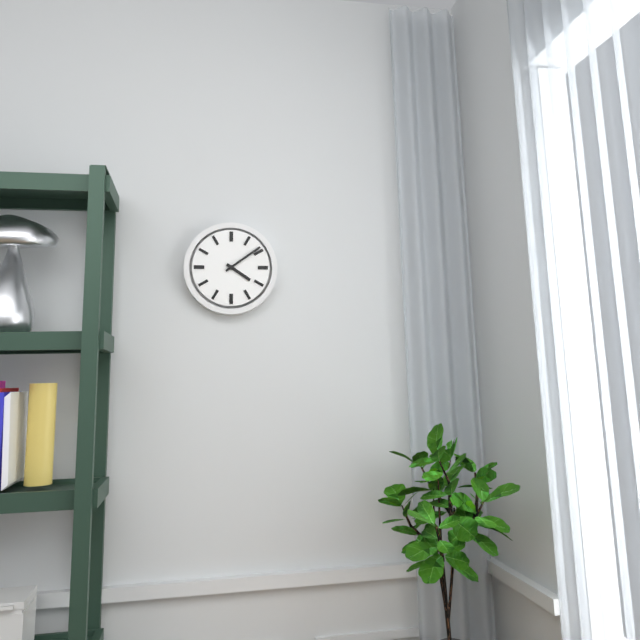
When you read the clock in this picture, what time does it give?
4:09
